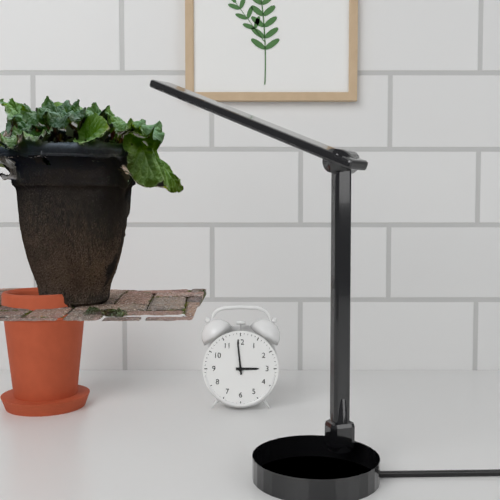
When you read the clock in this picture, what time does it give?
2:59
